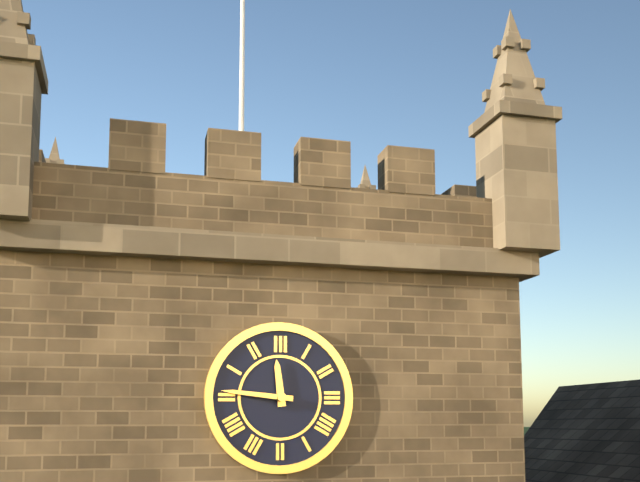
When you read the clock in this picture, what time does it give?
11:46
